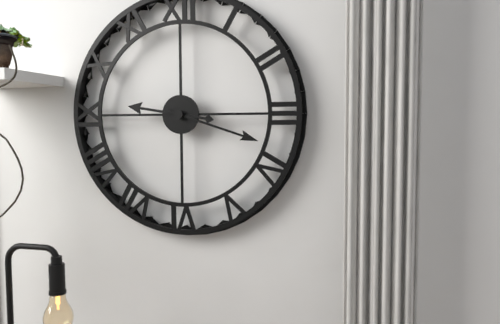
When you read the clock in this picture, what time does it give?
9:18
